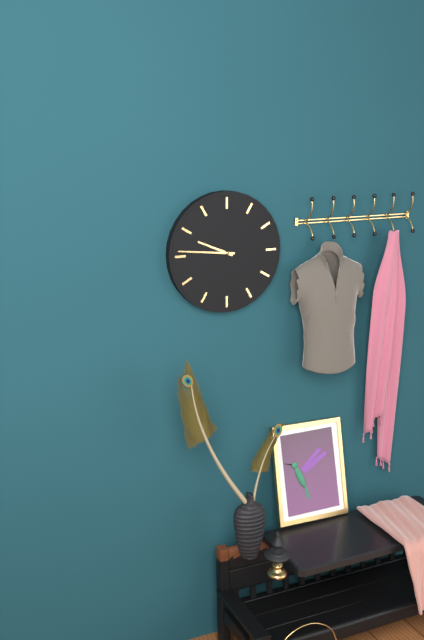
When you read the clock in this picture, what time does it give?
9:46
